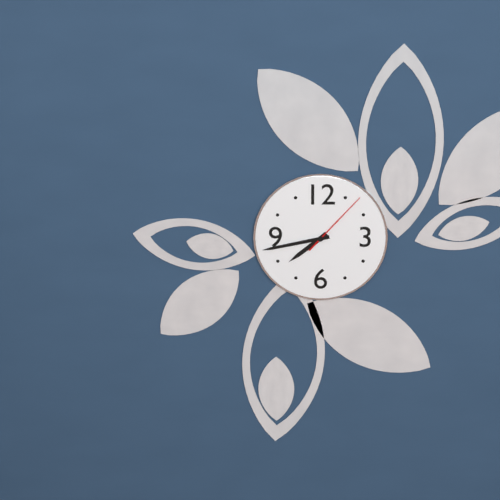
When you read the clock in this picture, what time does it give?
7:43:07
